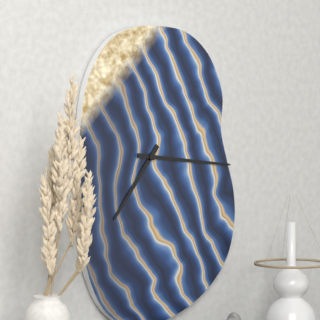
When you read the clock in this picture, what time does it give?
7:16
